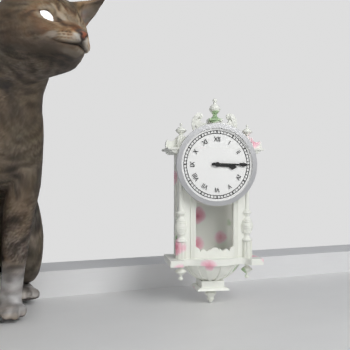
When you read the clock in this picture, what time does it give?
3:15
